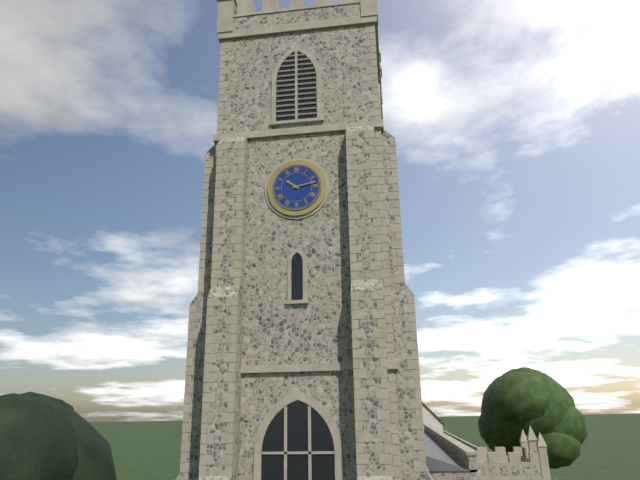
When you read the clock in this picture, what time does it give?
10:13
